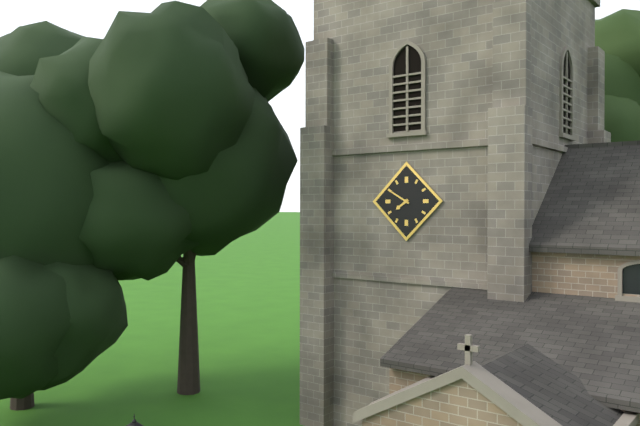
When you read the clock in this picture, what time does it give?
7:50
